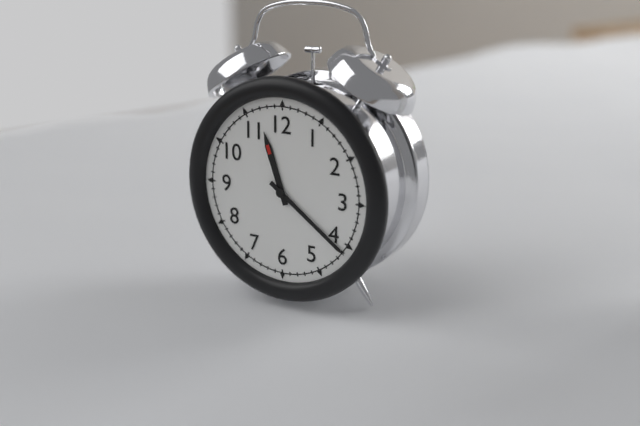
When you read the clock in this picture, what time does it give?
11:21
